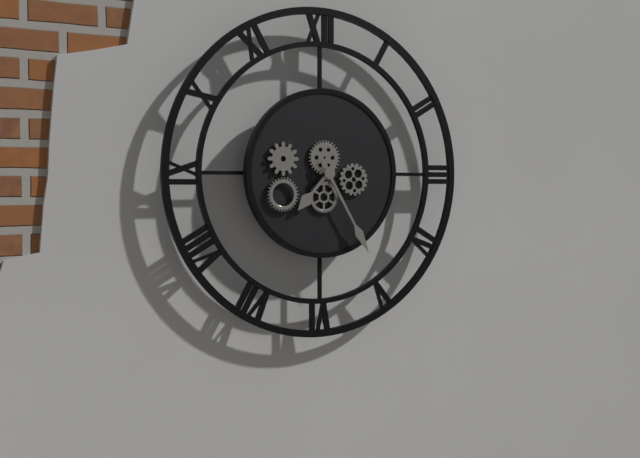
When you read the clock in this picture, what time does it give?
7:25
